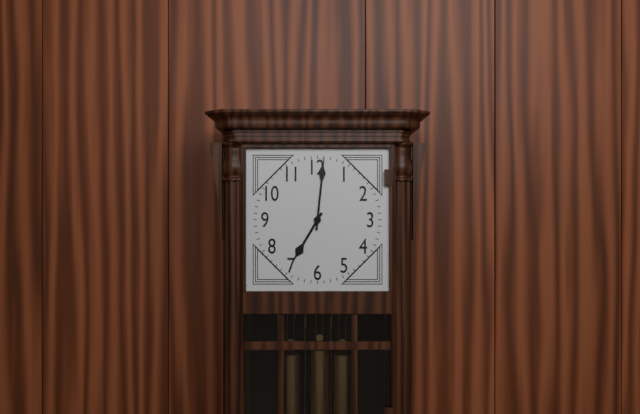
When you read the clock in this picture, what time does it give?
7:01
